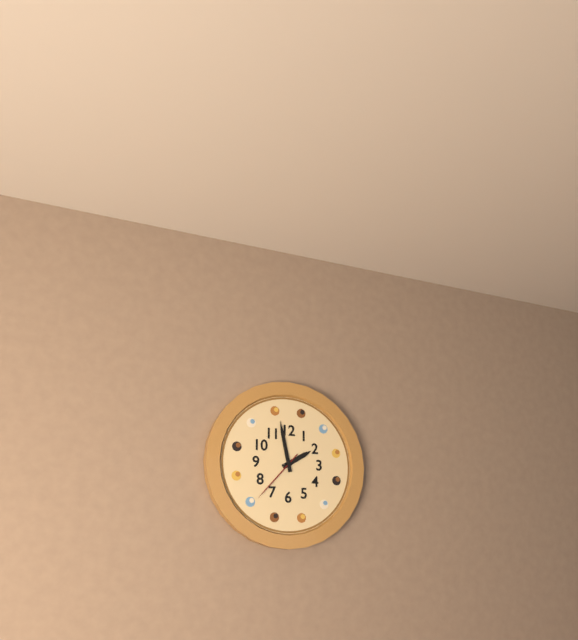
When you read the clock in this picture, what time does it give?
1:58:37
